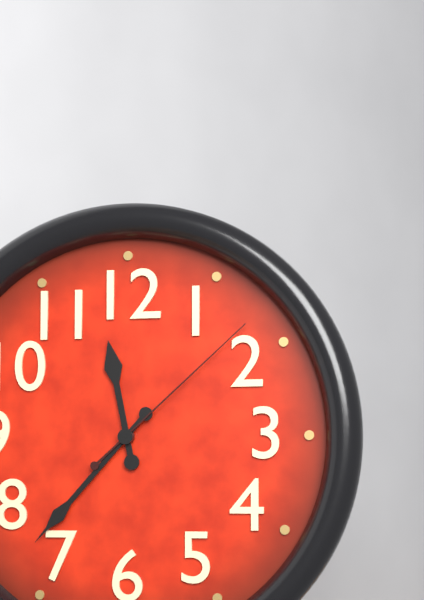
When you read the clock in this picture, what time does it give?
11:37:08
